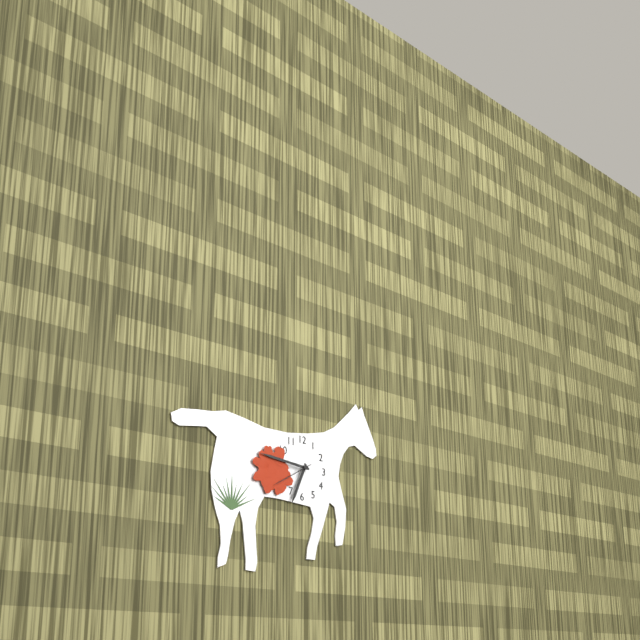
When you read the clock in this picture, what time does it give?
6:46
